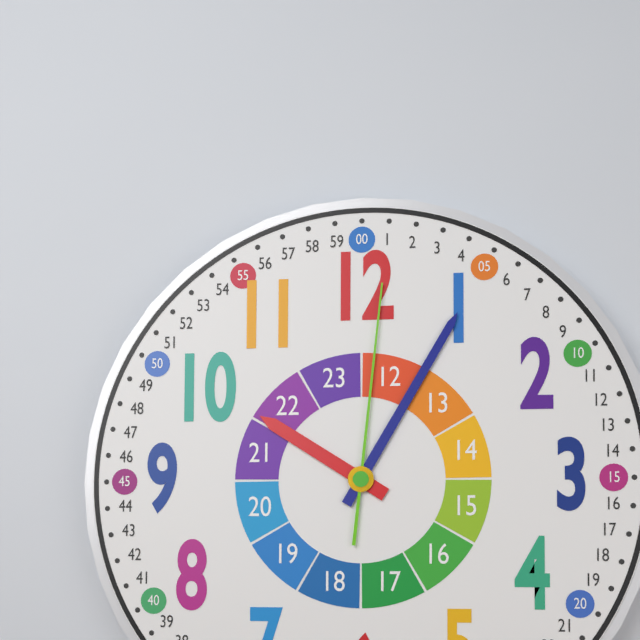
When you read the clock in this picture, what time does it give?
10:05:01
